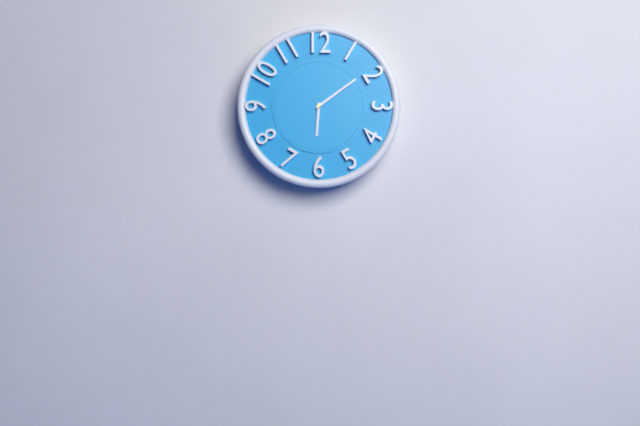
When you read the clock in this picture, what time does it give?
6:09
